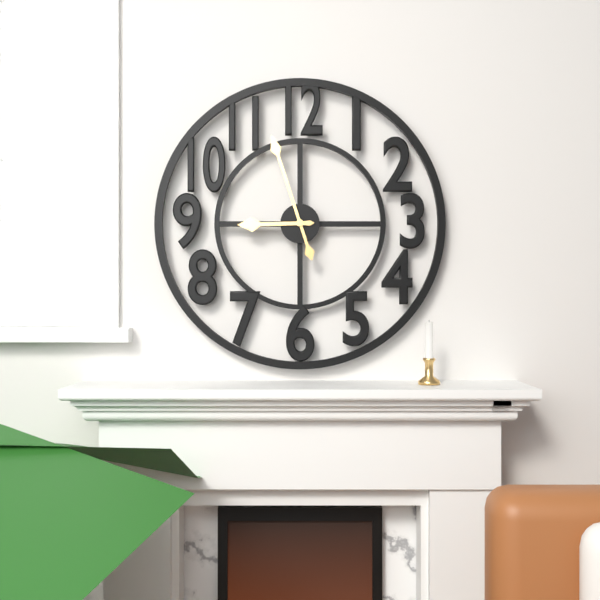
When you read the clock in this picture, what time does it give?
8:57
